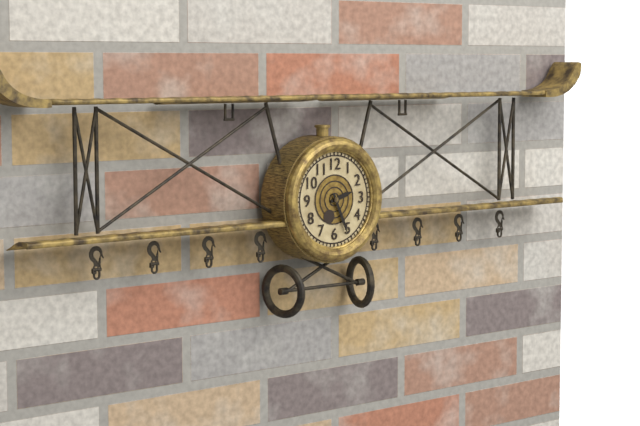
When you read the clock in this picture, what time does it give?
2:26
